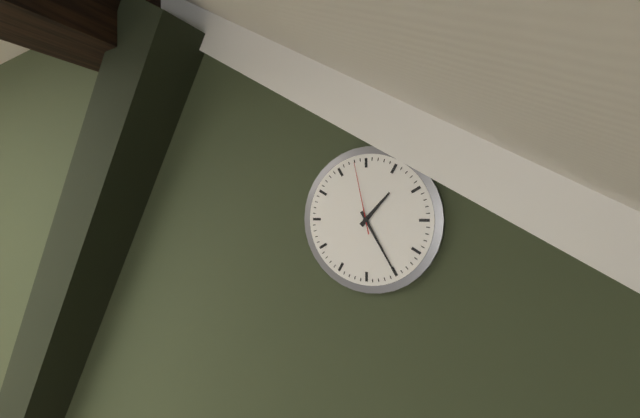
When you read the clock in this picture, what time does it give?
1:25:58
